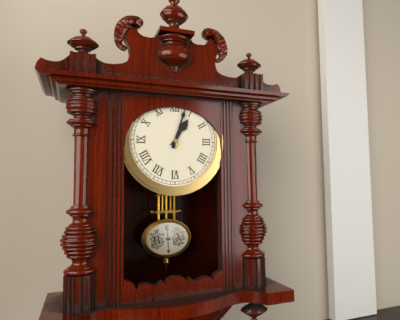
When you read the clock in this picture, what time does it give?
1:03
